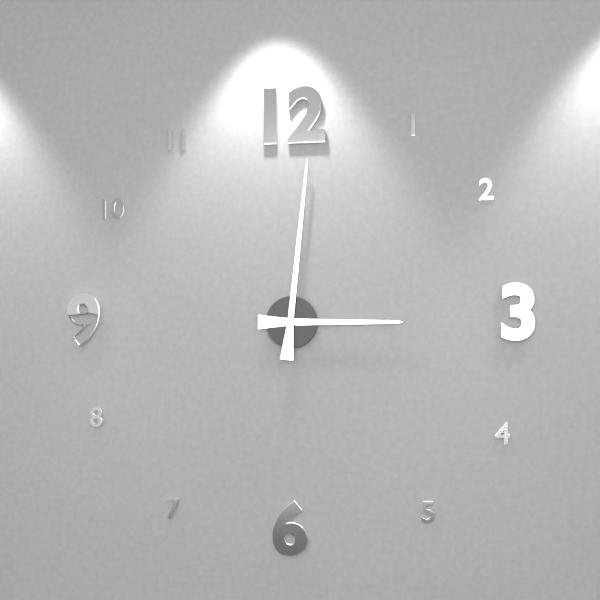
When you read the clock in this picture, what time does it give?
3:01
